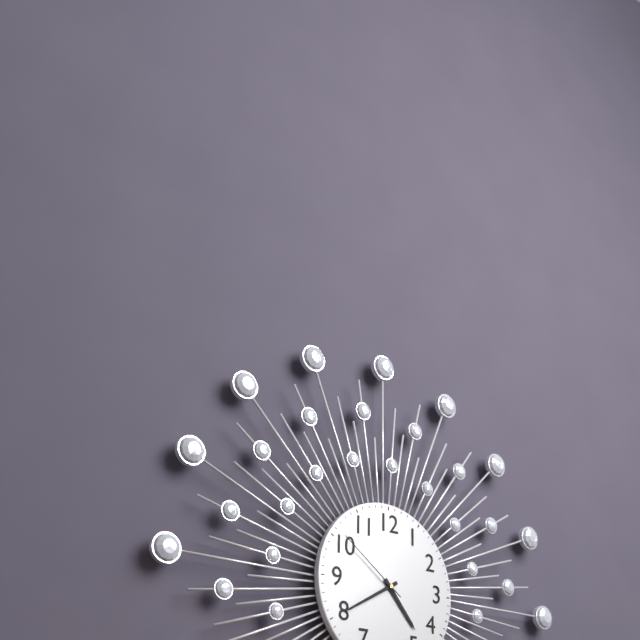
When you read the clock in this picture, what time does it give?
4:40:51
